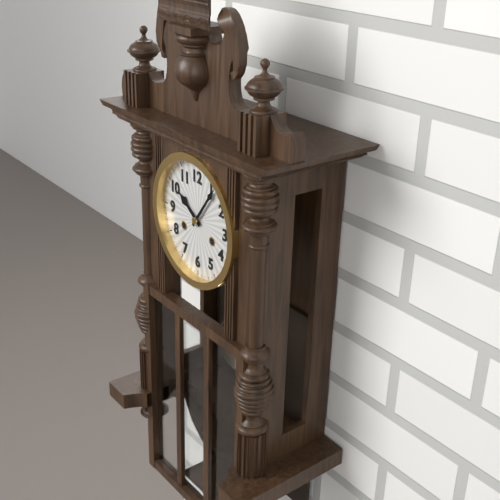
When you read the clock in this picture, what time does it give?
10:06
